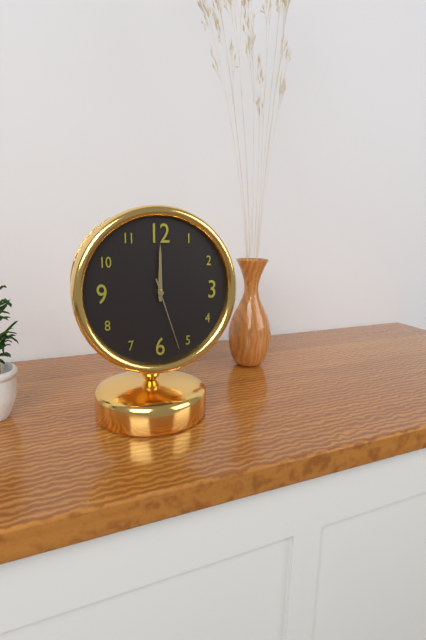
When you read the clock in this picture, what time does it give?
12:00:27
